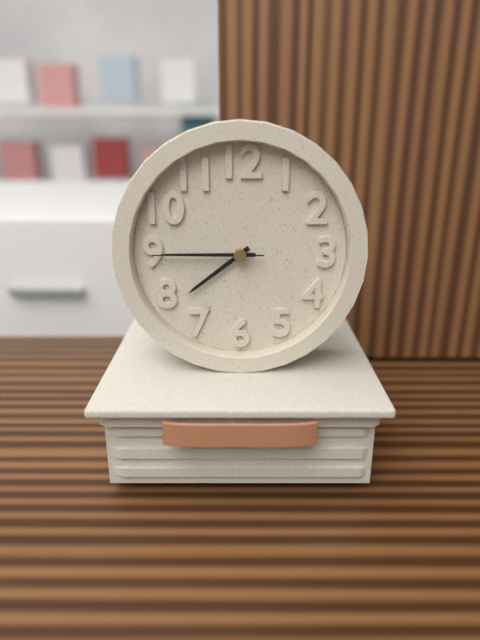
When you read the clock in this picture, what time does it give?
7:45:45
